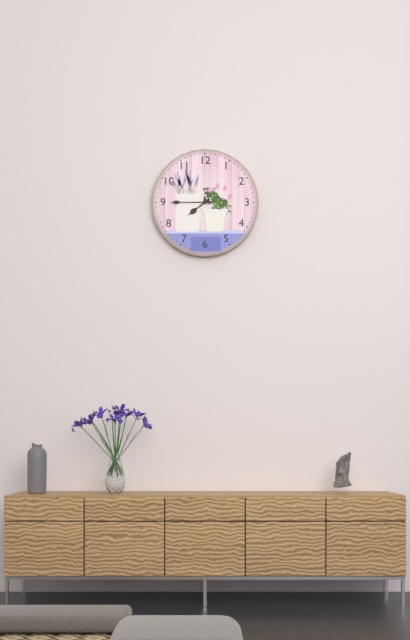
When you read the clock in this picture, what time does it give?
7:45
